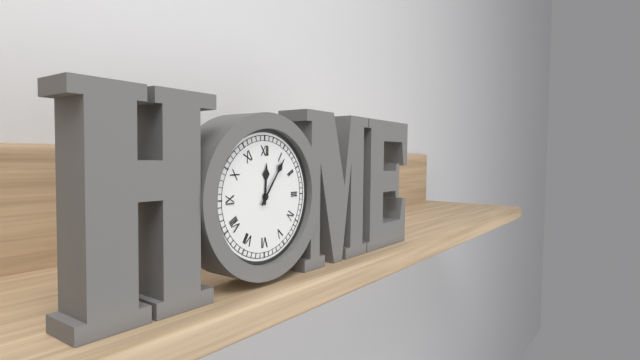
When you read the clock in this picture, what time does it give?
12:06
